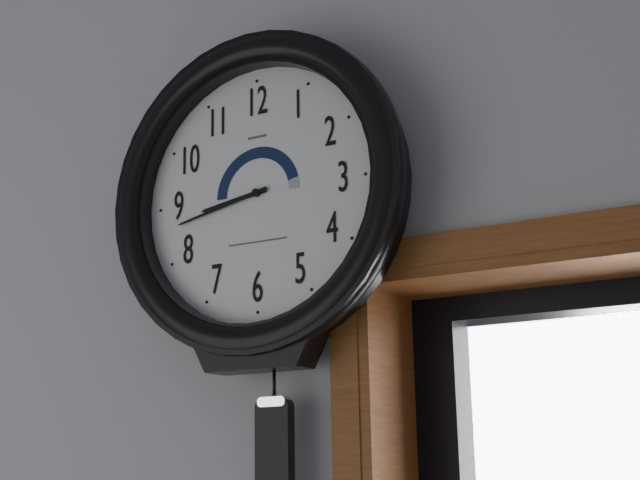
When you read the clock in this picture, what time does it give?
8:43
